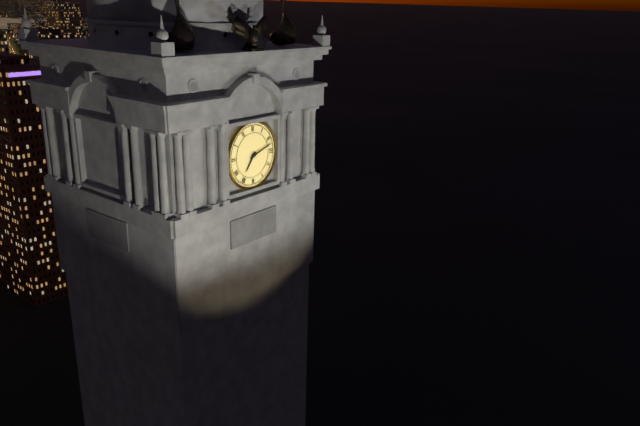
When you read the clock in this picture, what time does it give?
7:12
